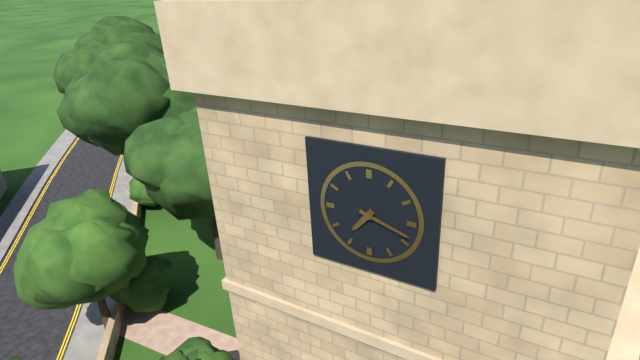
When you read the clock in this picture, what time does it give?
7:18
